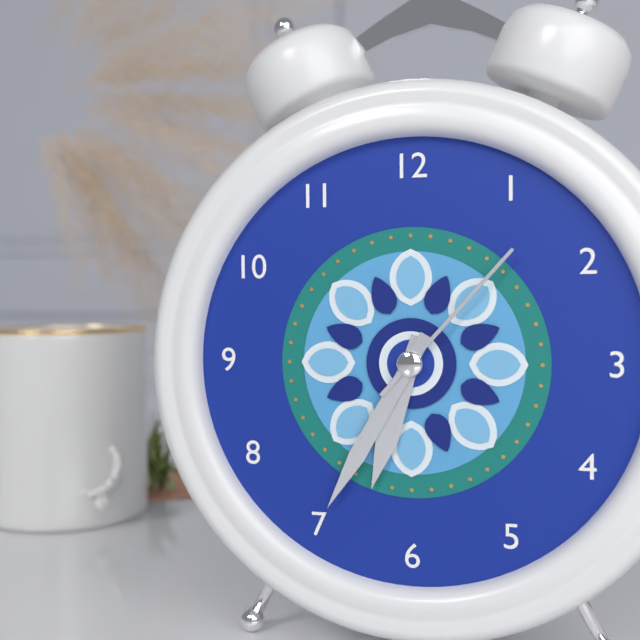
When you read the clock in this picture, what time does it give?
6:35:07
